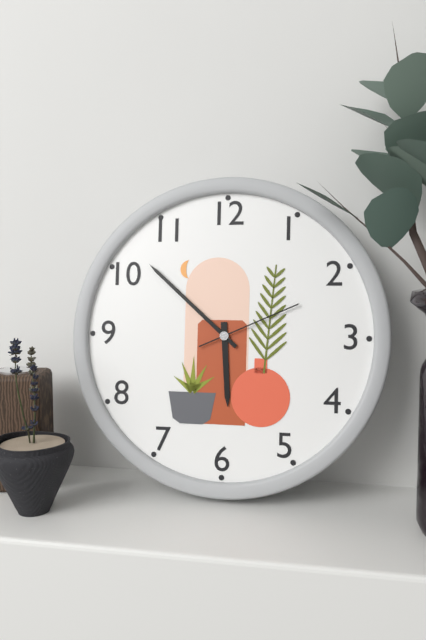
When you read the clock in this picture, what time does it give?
5:52:11
